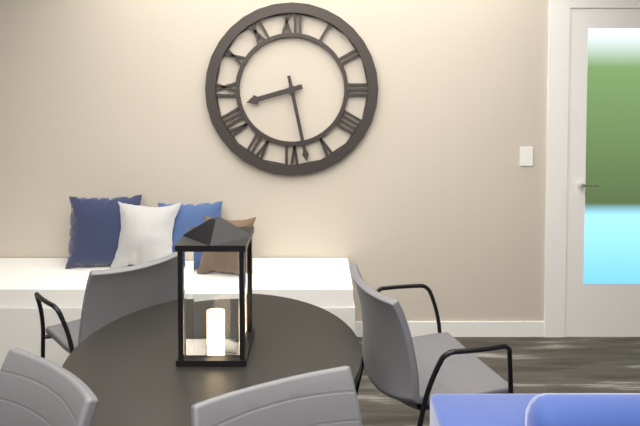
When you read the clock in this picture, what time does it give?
8:28
